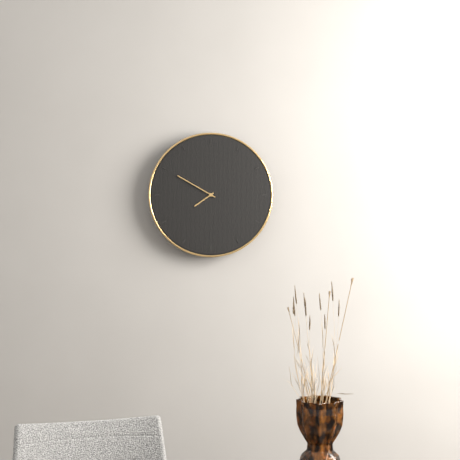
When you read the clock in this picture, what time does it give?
7:50
